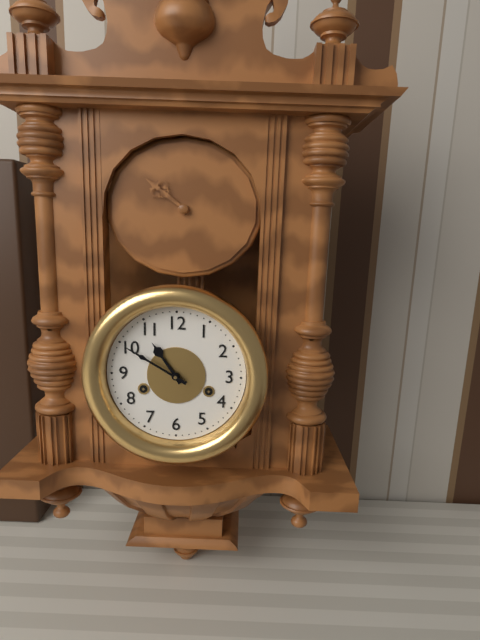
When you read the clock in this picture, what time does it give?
10:50
